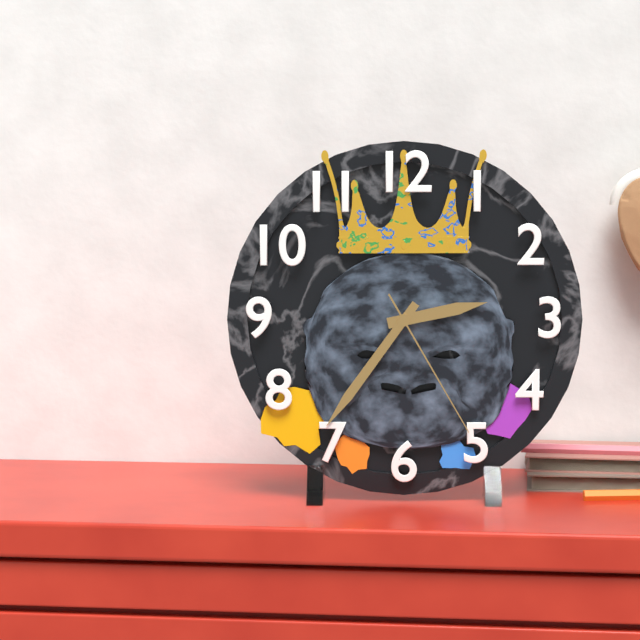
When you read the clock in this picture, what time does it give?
2:36:25
